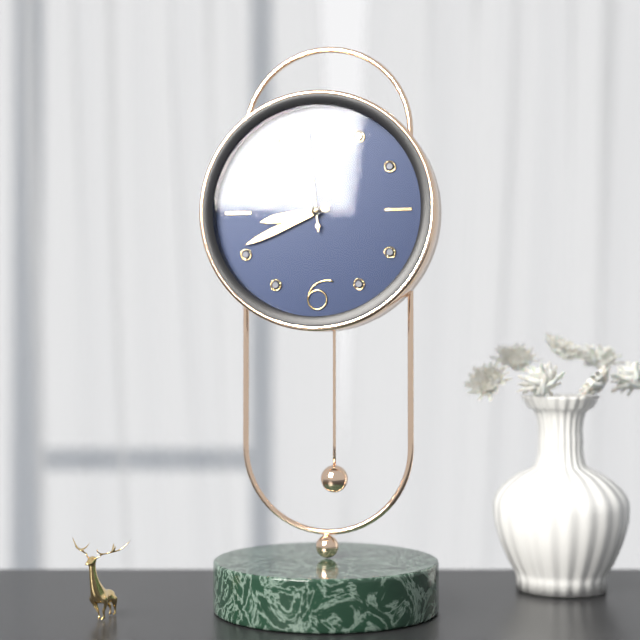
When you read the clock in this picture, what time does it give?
8:41:59
